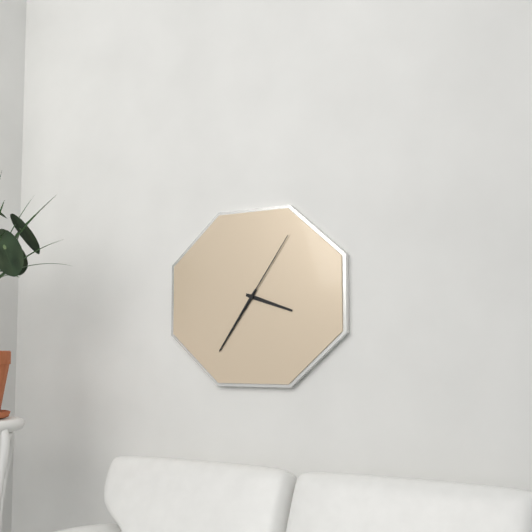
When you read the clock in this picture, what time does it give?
3:36:06
